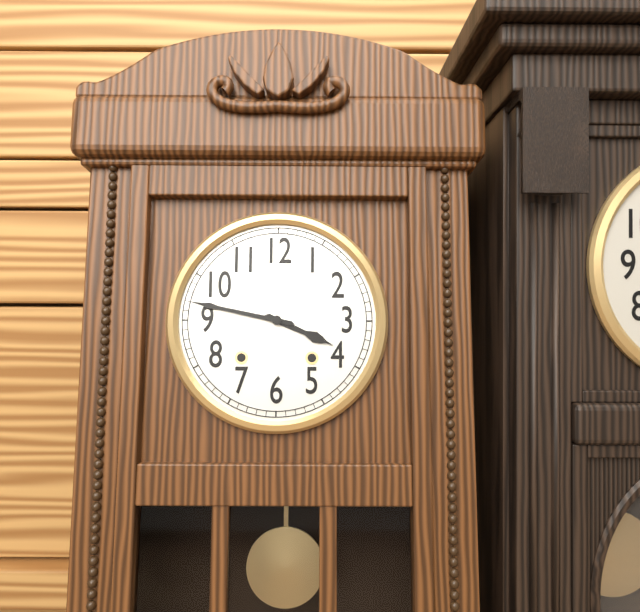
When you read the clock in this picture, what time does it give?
3:47
